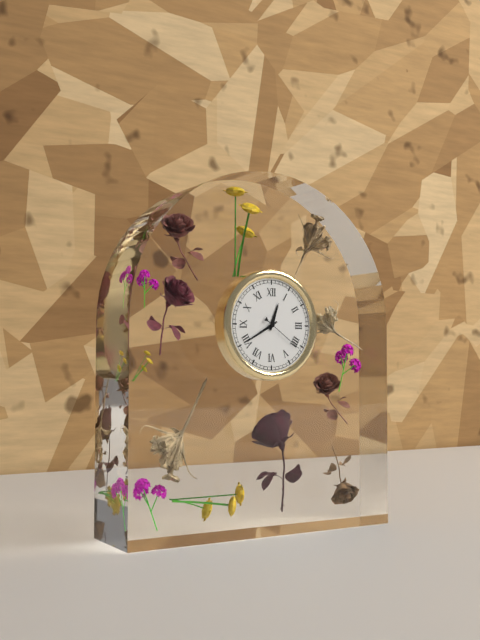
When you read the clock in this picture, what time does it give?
12:40
